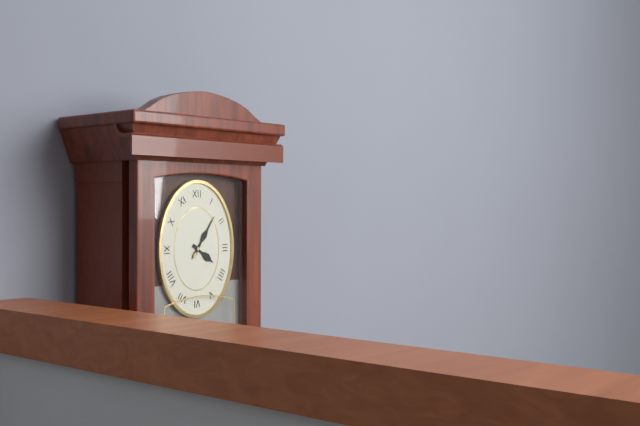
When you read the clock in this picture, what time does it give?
4:06
